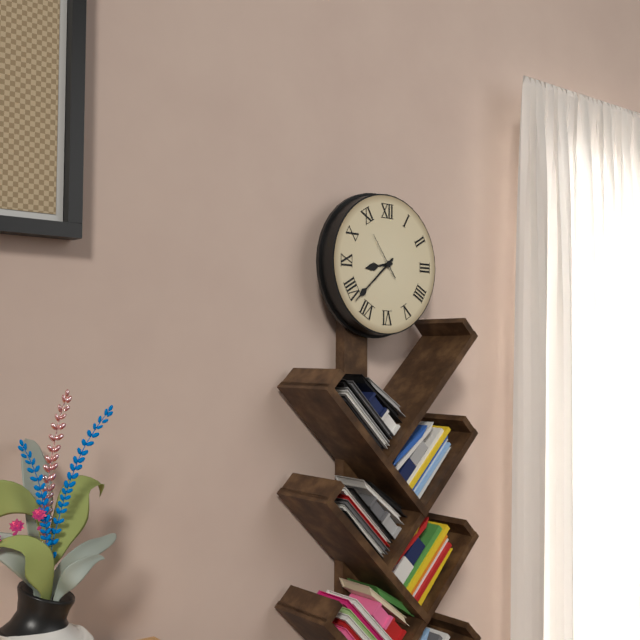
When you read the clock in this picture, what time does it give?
8:38
